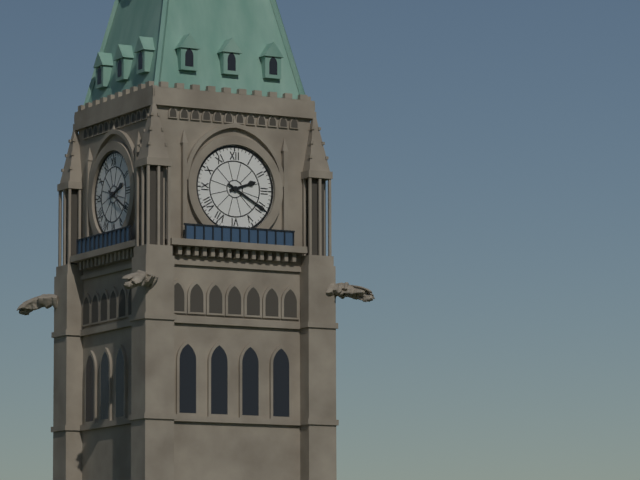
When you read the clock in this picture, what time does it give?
2:20
